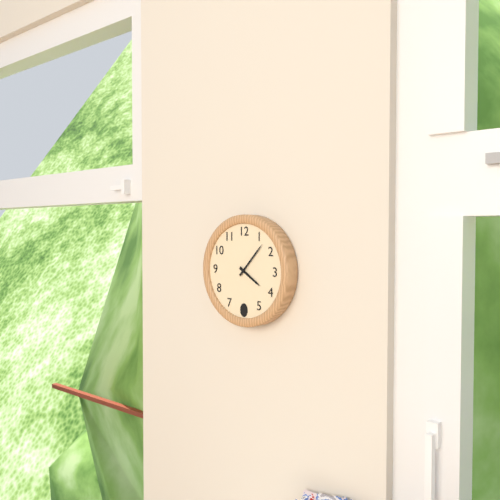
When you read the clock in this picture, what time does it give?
4:07
